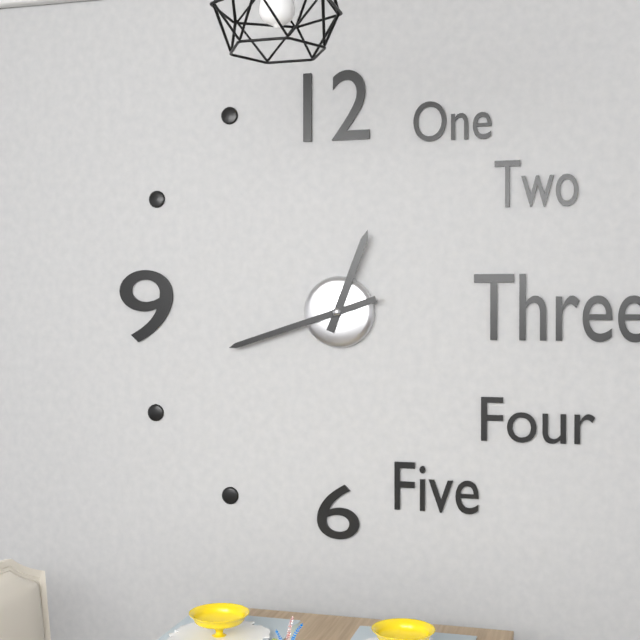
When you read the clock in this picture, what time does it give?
12:42
